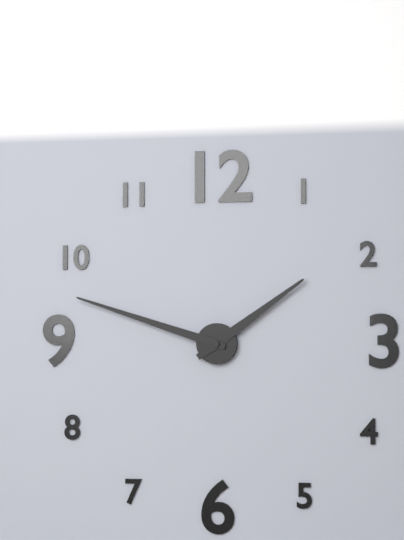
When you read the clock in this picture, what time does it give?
1:48
